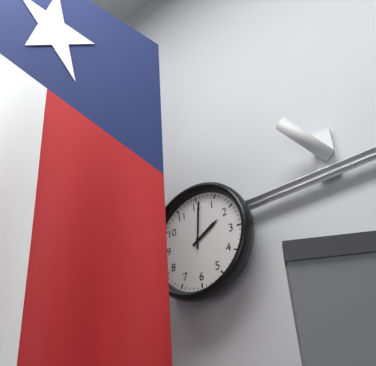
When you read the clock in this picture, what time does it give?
2:01
